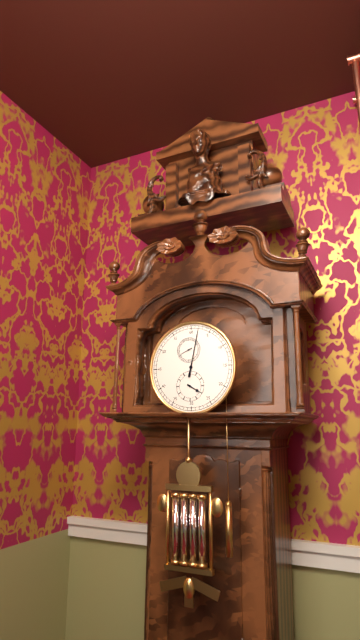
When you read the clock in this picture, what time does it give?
4:02
